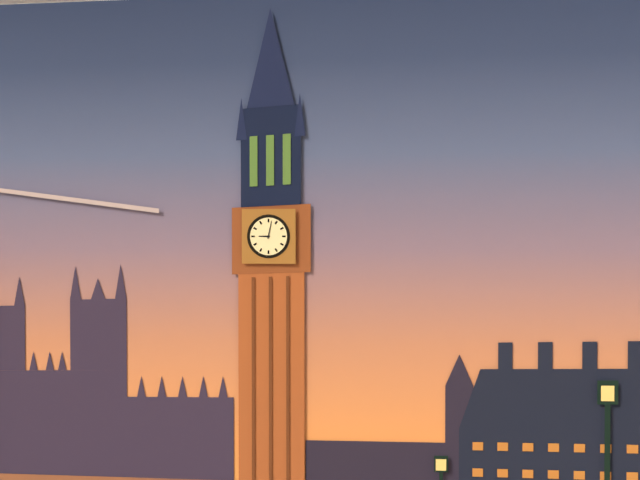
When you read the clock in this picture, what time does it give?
9:02
